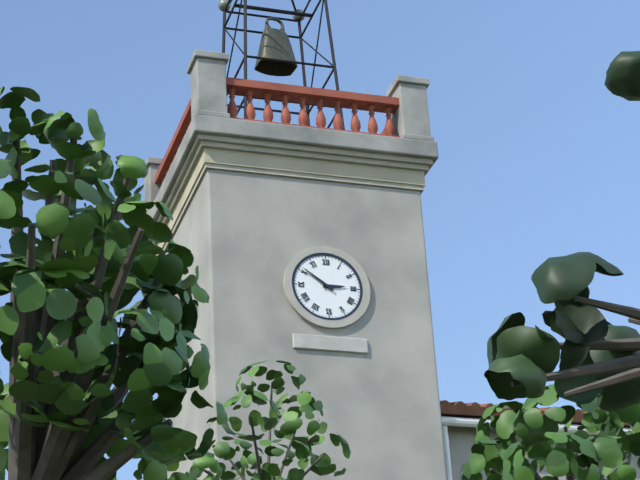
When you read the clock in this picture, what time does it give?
2:51
